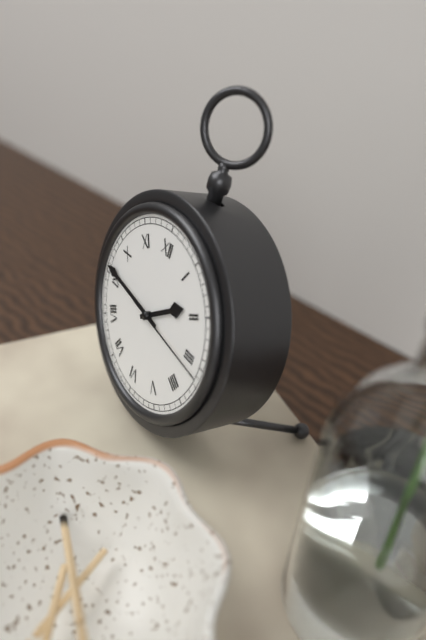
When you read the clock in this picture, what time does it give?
1:46:16
